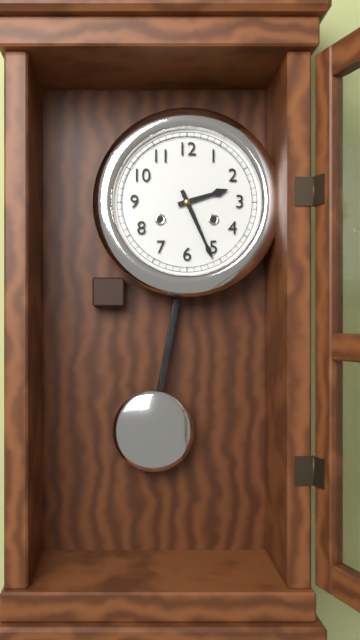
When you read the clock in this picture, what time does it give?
2:26
